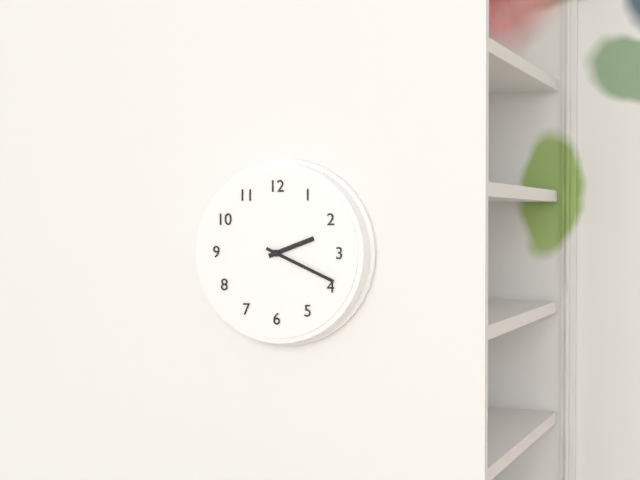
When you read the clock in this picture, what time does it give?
2:19
